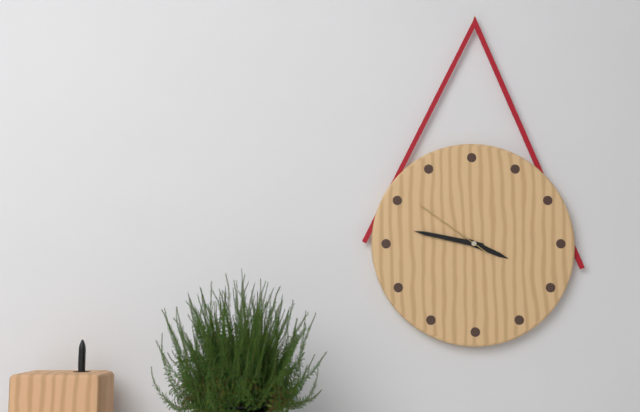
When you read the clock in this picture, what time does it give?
3:47:51
